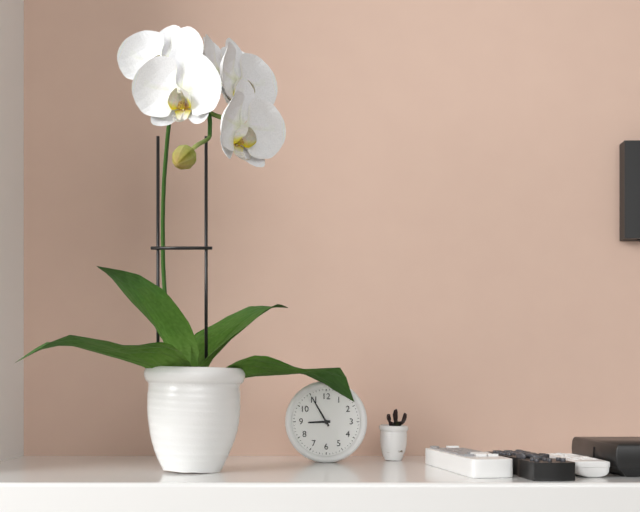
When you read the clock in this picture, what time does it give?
8:55
